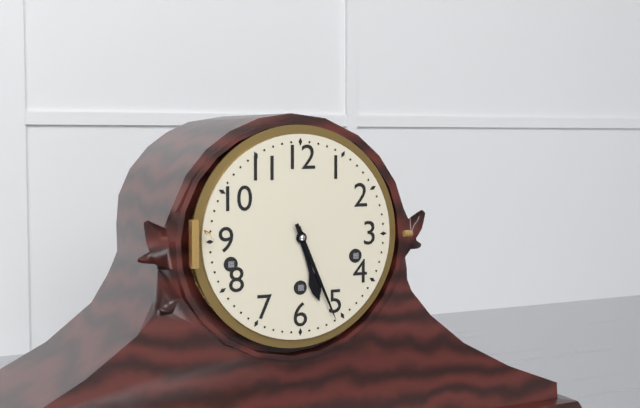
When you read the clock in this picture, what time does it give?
5:26
